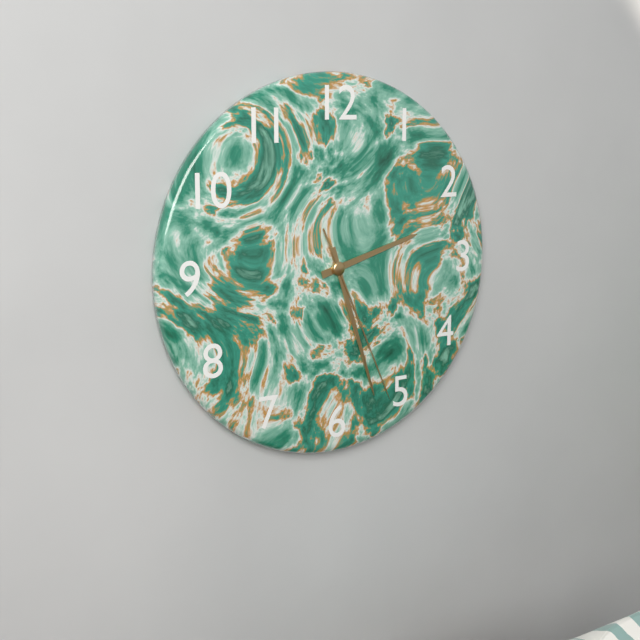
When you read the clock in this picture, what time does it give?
2:27:26
